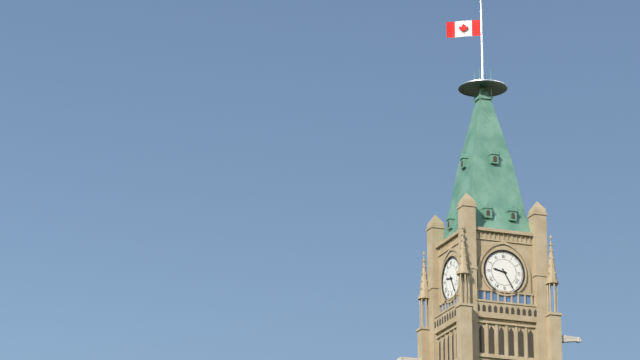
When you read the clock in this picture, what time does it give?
9:25
